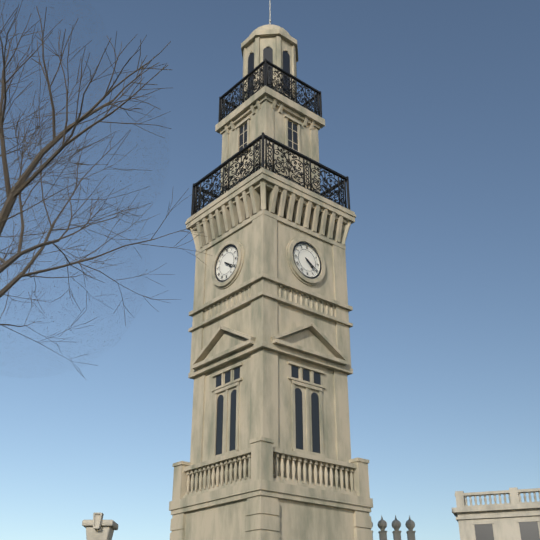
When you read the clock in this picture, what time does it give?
4:20
